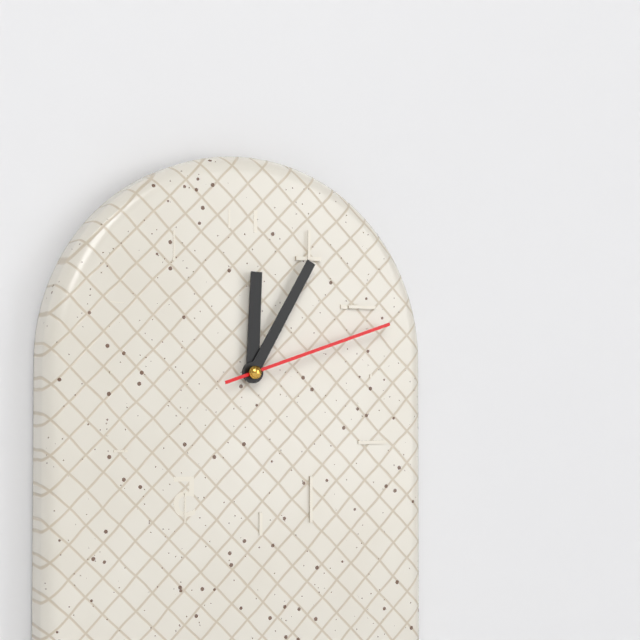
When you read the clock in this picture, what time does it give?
12:05:12
